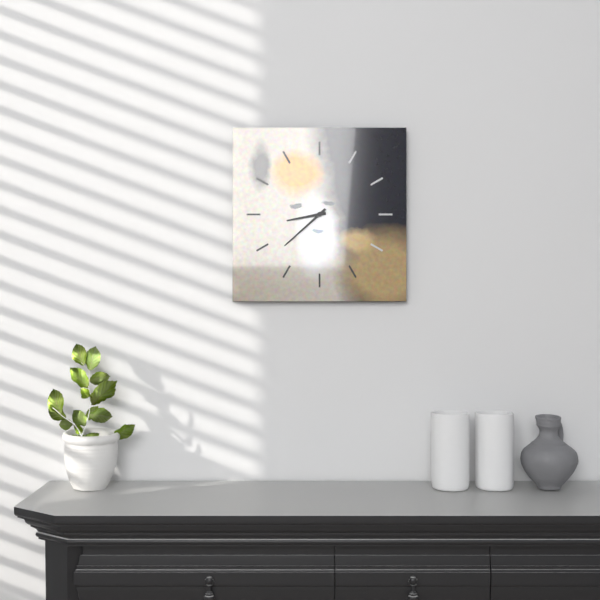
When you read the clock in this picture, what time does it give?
8:38
